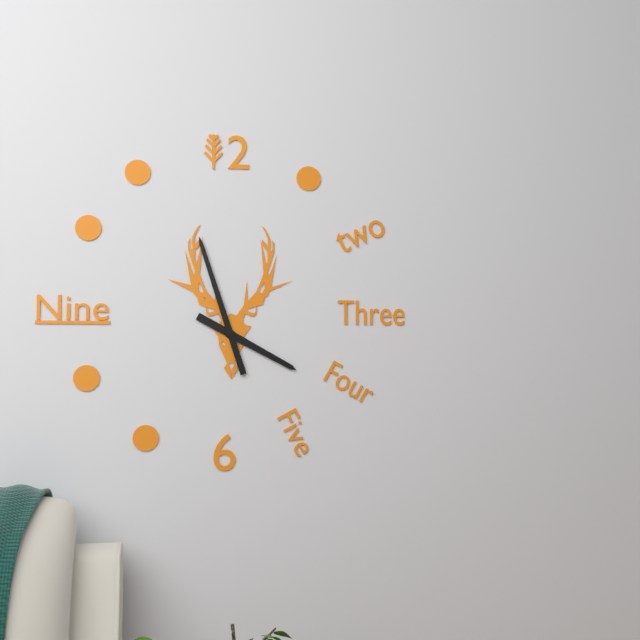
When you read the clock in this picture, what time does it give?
3:57
